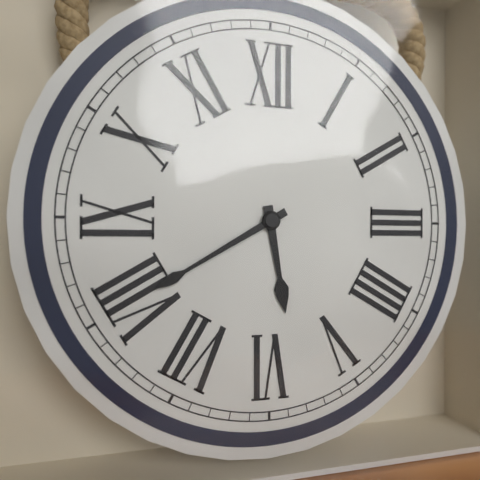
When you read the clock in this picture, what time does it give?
5:40
